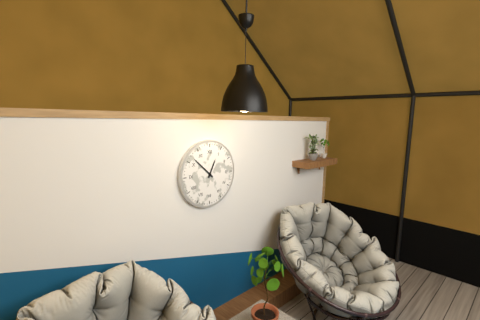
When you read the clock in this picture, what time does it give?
12:52
